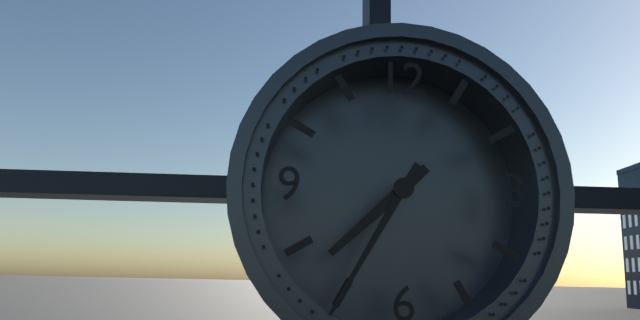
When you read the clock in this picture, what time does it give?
7:35
